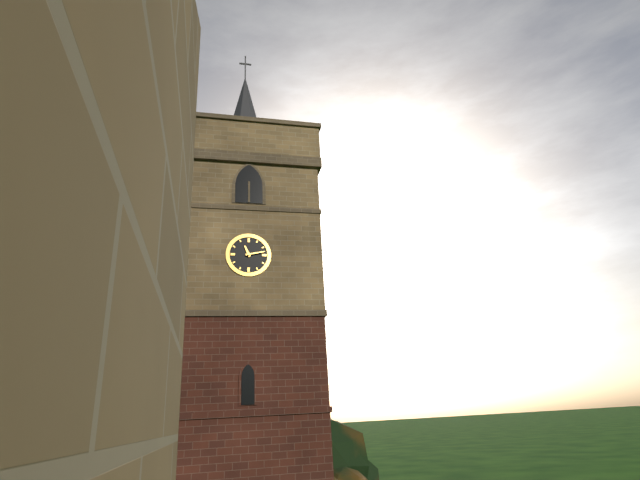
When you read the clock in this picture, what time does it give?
11:13
